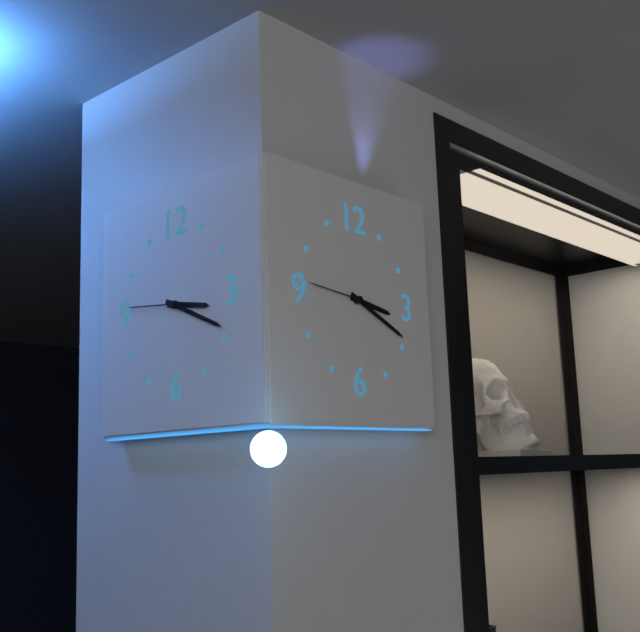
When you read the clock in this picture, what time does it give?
3:19:46
